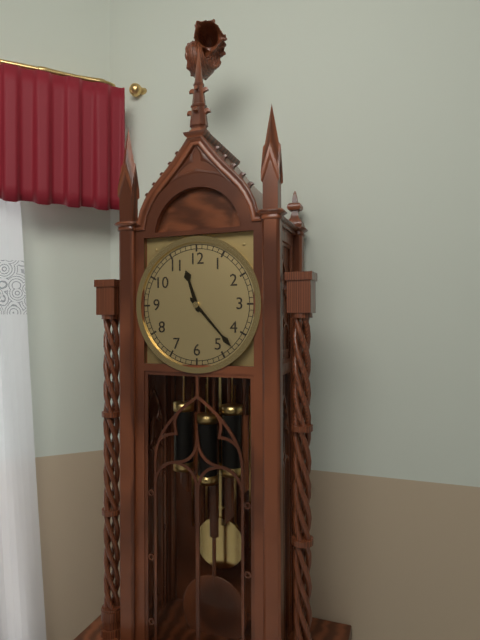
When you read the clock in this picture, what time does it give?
11:23
